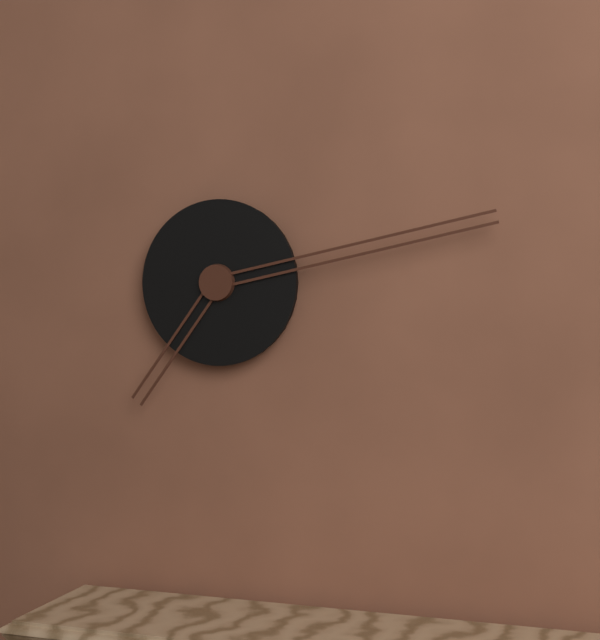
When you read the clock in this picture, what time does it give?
7:13
